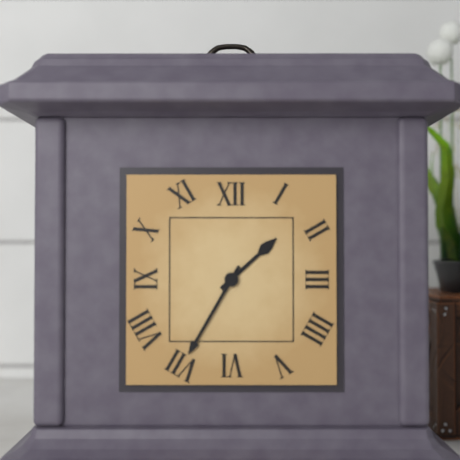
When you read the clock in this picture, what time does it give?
1:35
